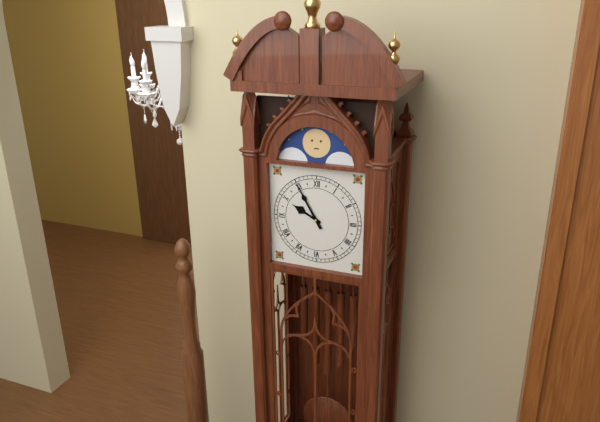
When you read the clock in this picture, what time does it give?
9:55
